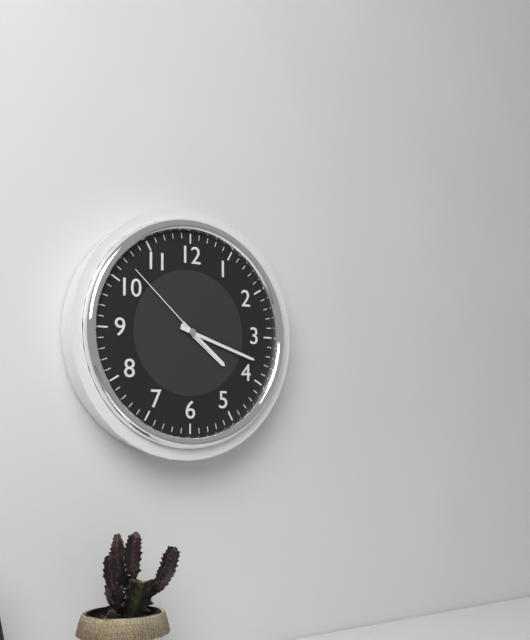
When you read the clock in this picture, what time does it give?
4:18:52
